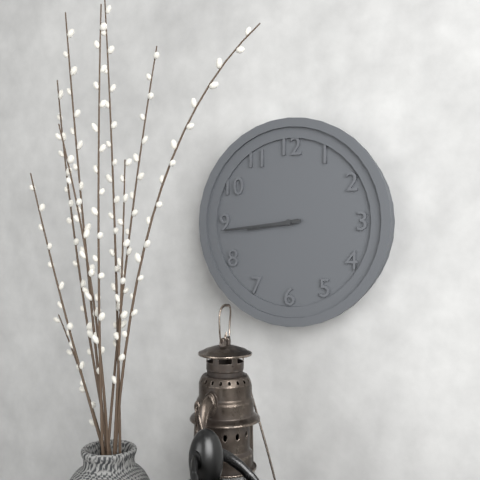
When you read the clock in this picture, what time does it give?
8:44
